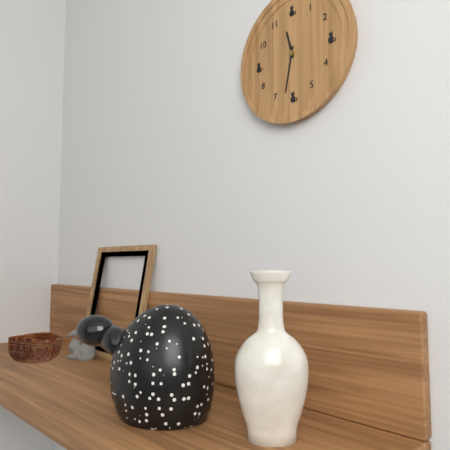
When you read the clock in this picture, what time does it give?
11:32
